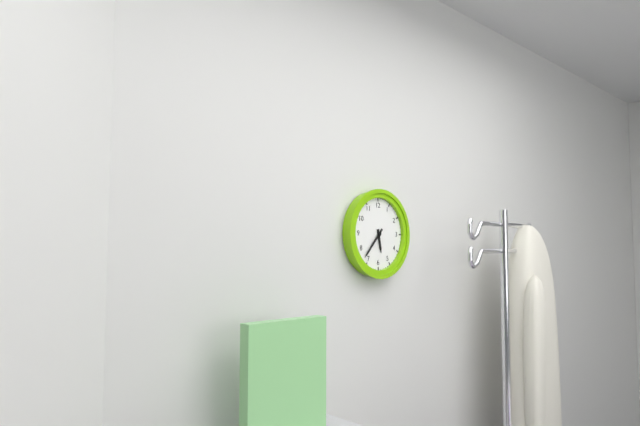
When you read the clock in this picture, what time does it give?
5:37
